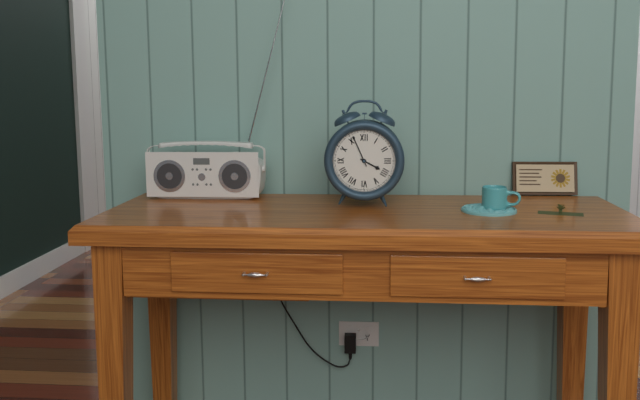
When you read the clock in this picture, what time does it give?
3:56
